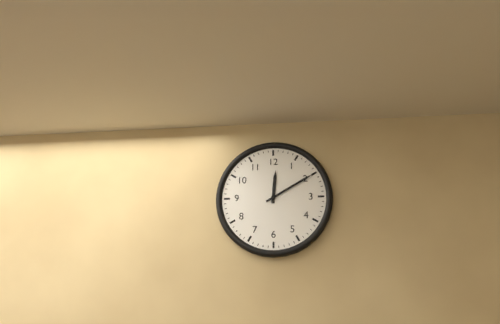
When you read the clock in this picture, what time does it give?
12:10
